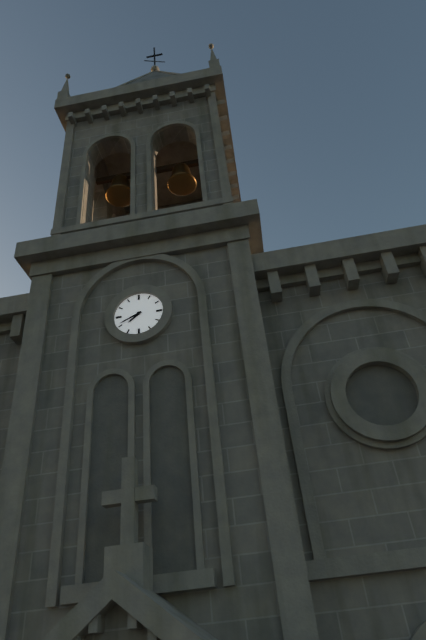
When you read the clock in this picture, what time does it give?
7:41
